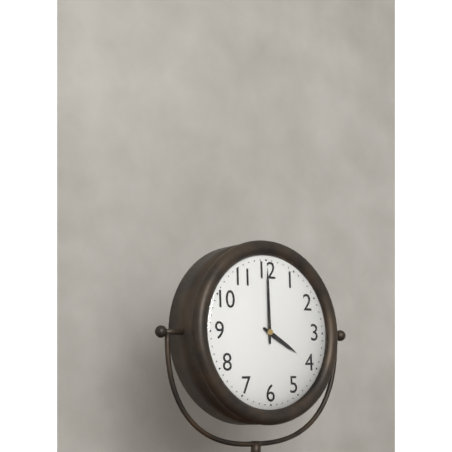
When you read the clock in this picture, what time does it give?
4:00
